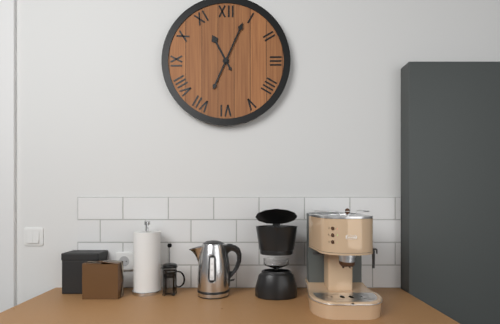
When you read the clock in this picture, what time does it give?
11:04
